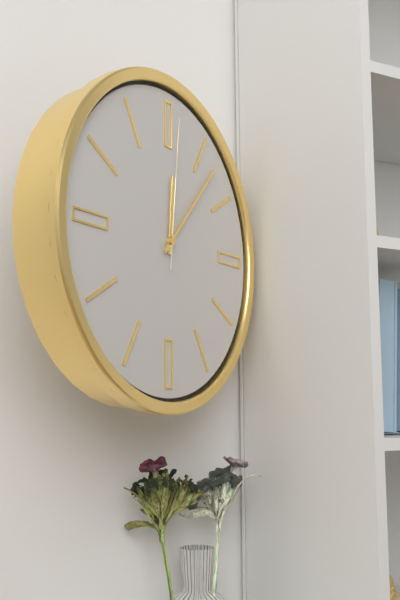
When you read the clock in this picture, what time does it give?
12:07:01
